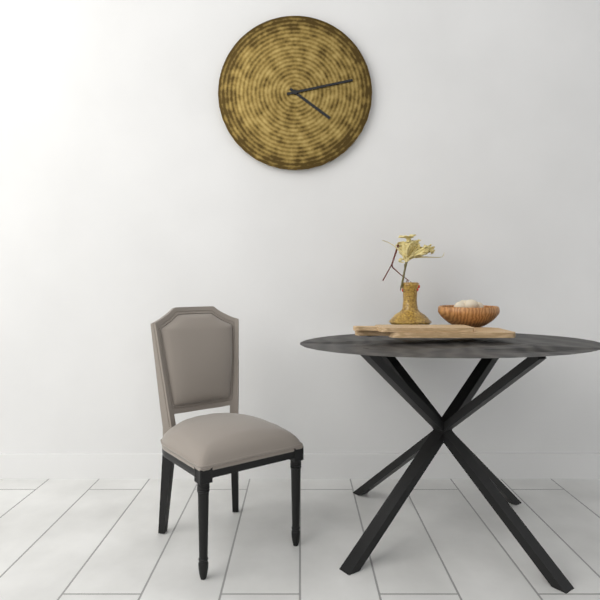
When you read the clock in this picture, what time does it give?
4:13
